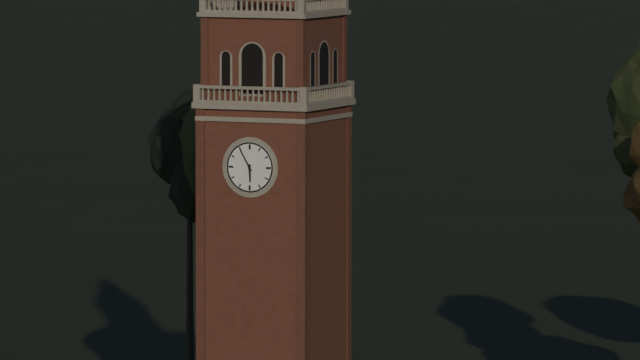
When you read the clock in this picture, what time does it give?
5:55
